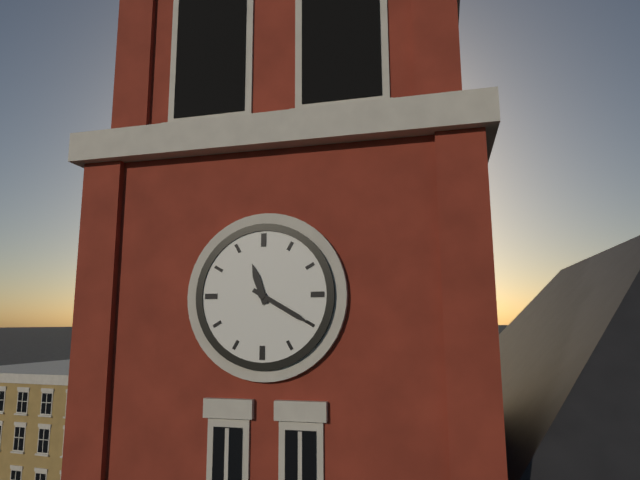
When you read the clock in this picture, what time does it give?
11:20
